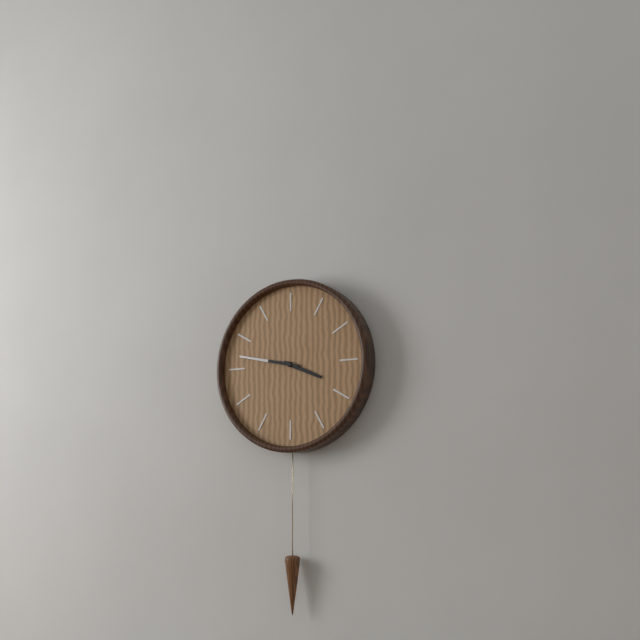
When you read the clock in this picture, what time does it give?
3:47
